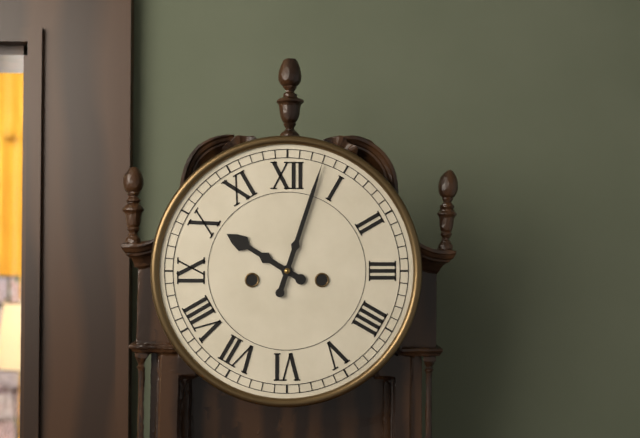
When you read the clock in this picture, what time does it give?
10:03
